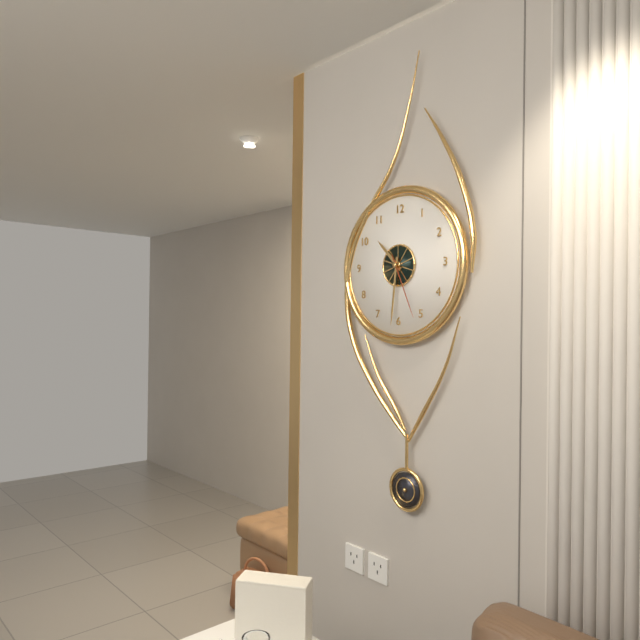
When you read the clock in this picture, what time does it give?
10:31:26
